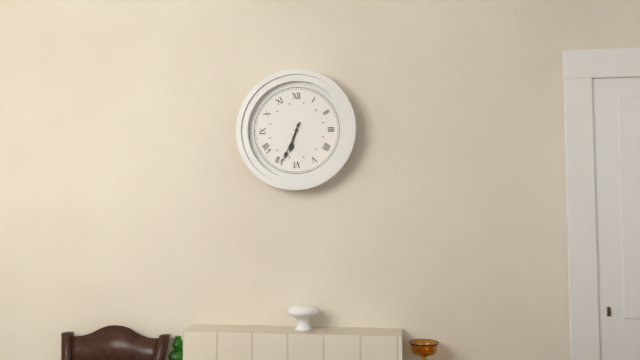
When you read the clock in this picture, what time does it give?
6:34
